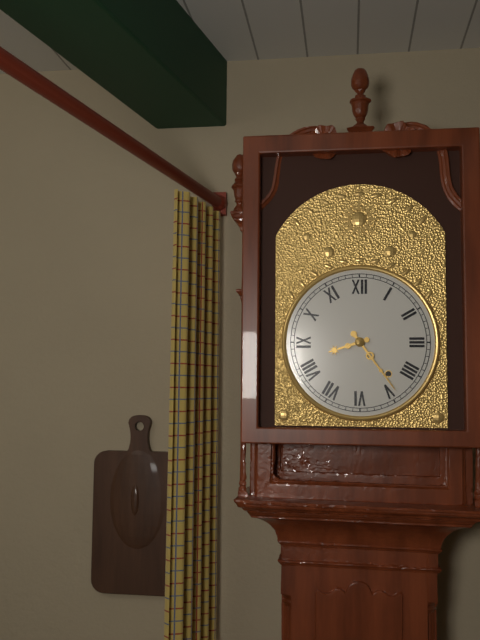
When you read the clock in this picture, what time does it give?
8:24
